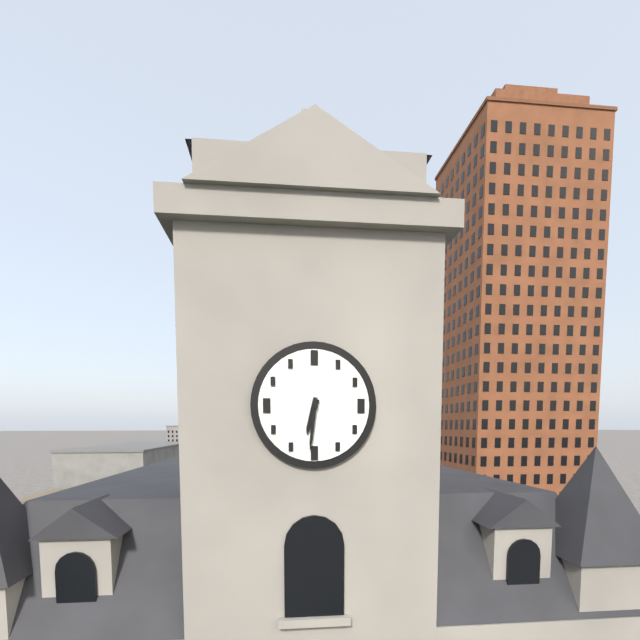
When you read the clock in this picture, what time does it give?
6:31
